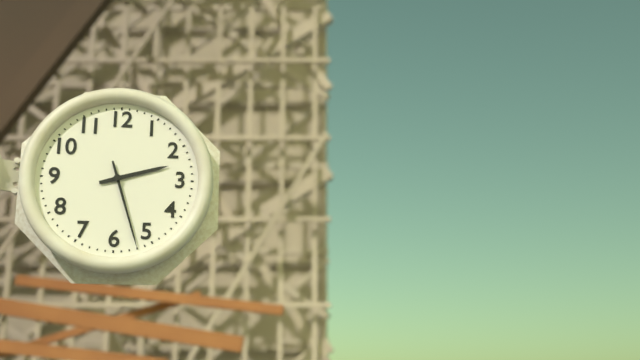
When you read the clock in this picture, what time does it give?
2:27
